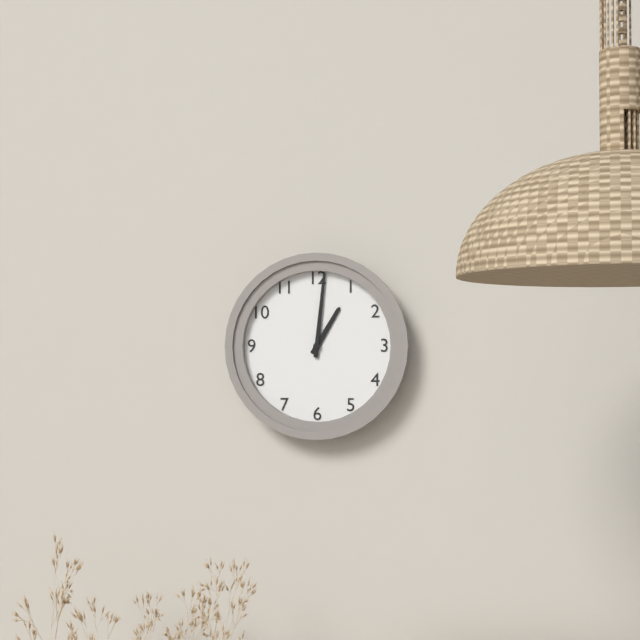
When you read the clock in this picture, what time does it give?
1:01
